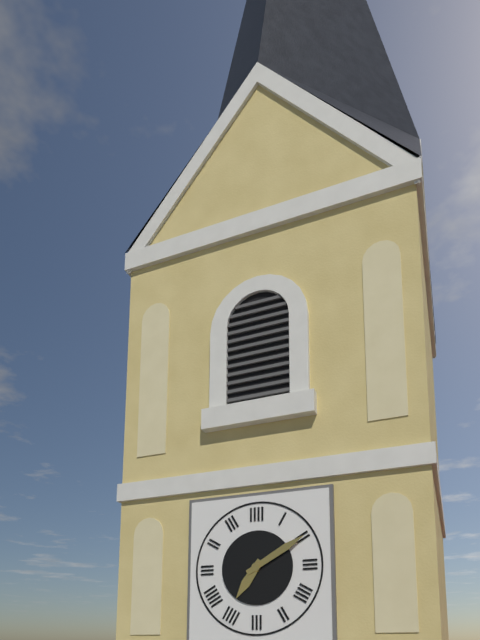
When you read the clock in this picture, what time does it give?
7:10
